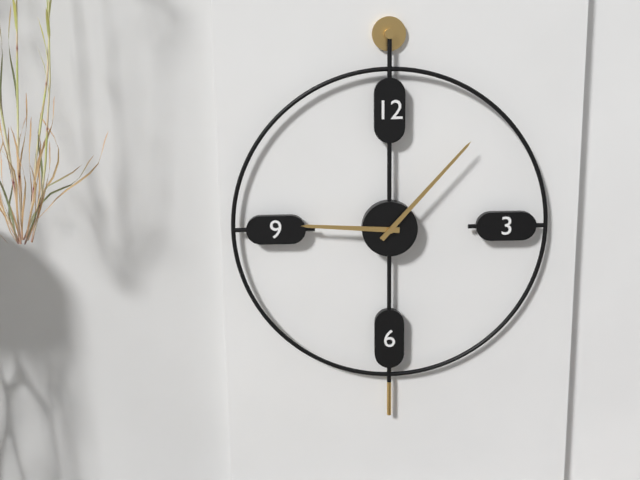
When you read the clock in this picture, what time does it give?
9:07
